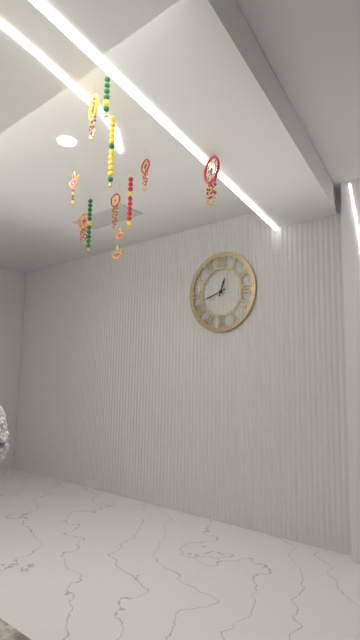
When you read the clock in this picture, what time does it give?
12:42
